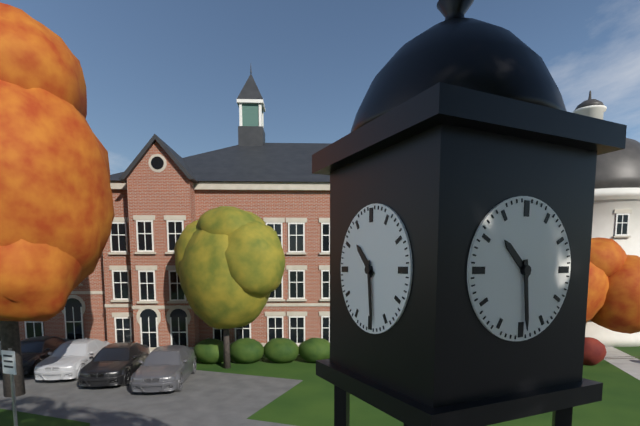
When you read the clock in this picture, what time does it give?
10:29
